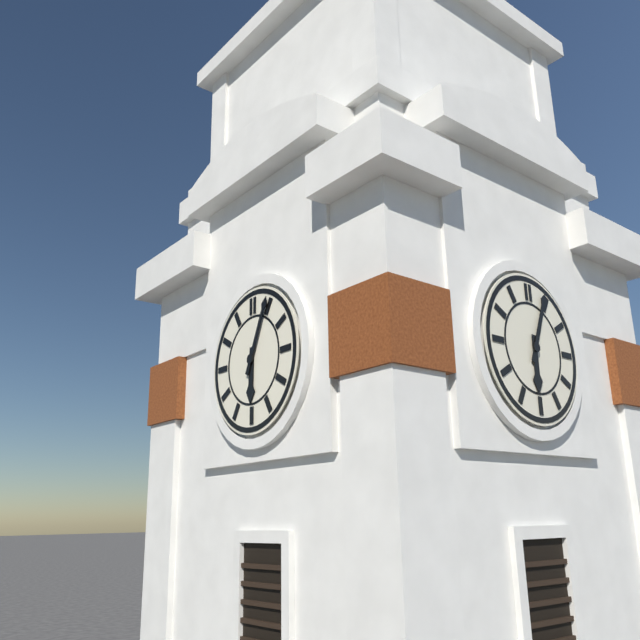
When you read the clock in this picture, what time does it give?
6:04
